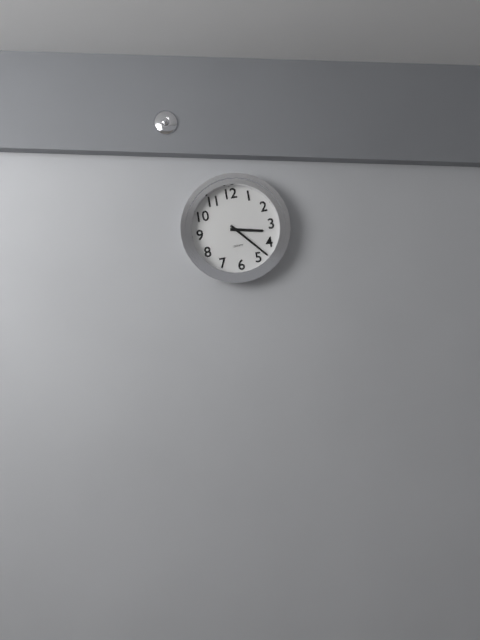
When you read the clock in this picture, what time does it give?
3:23
